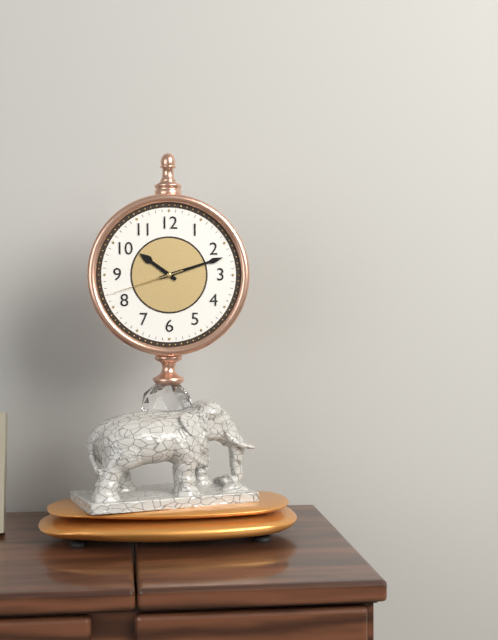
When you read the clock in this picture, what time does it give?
10:12:42
